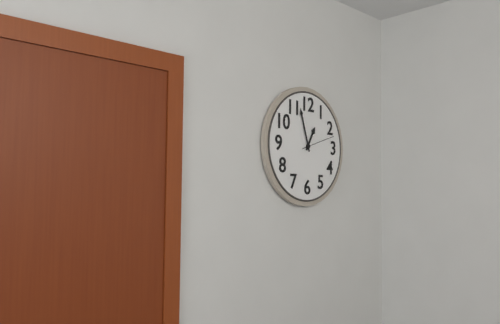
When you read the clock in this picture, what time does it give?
12:57
